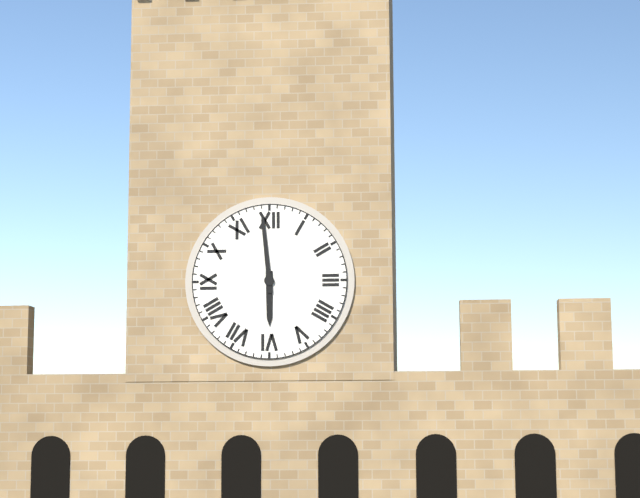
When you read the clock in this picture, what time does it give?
5:59
